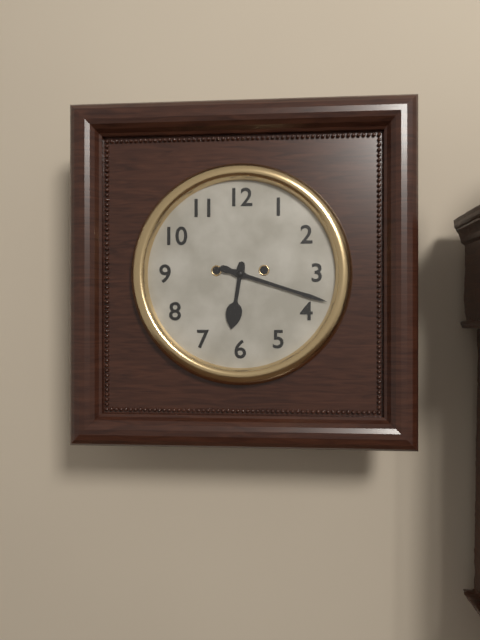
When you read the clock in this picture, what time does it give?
6:18
